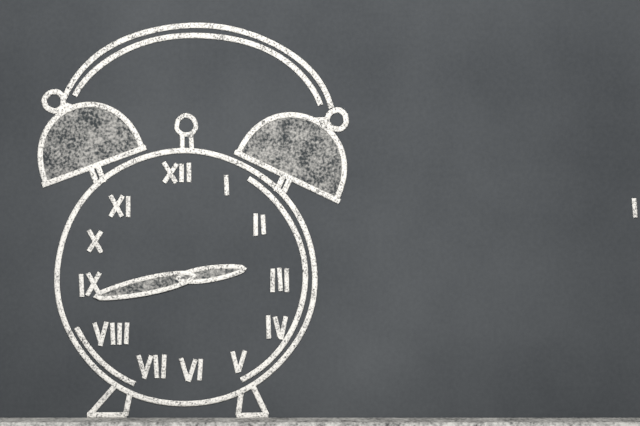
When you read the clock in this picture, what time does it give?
2:43
